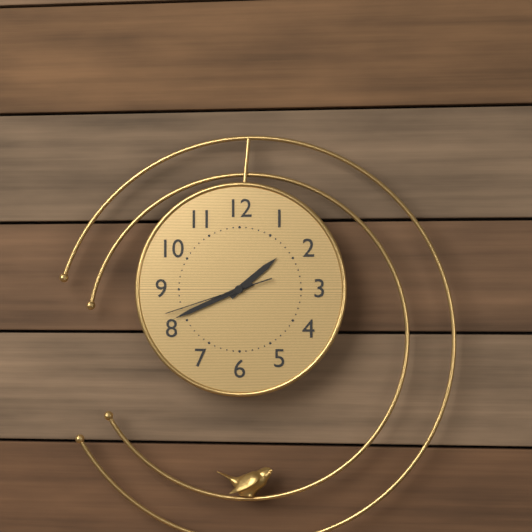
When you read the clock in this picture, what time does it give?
1:41:42
